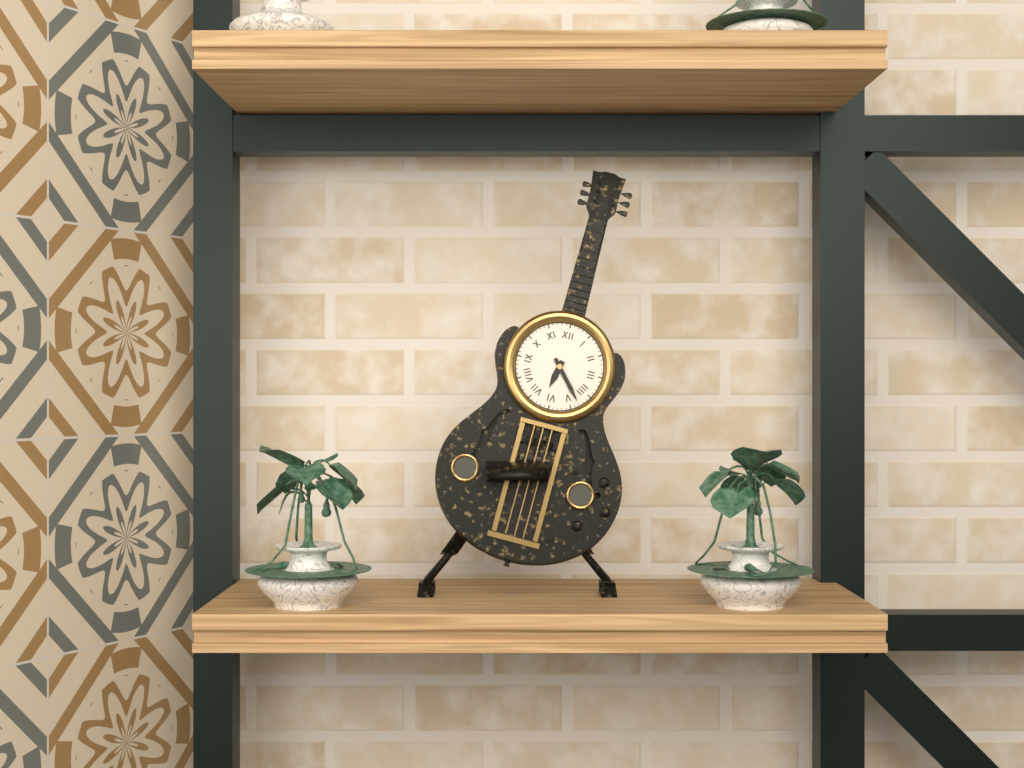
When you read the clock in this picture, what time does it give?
6:23
